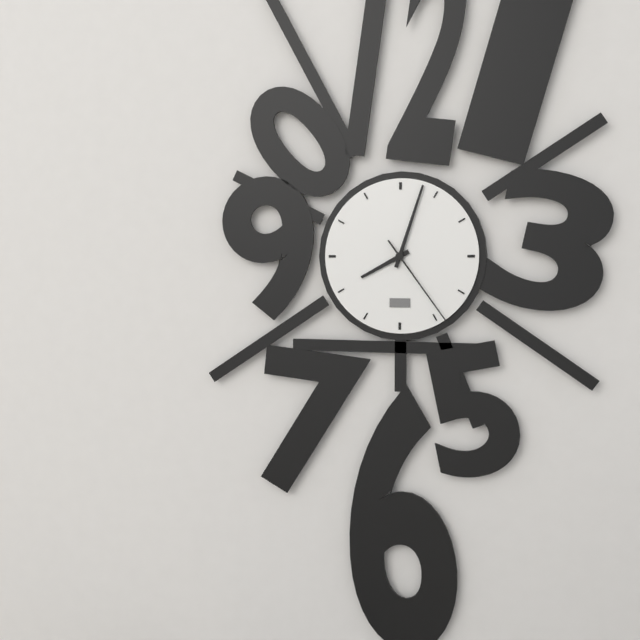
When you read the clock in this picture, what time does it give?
8:03:24
